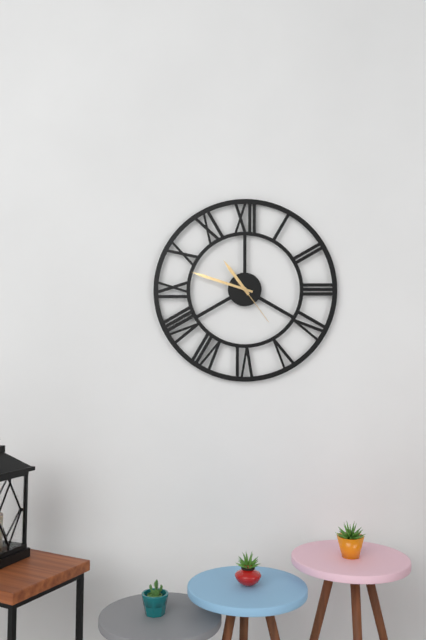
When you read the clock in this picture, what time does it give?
10:48:24
